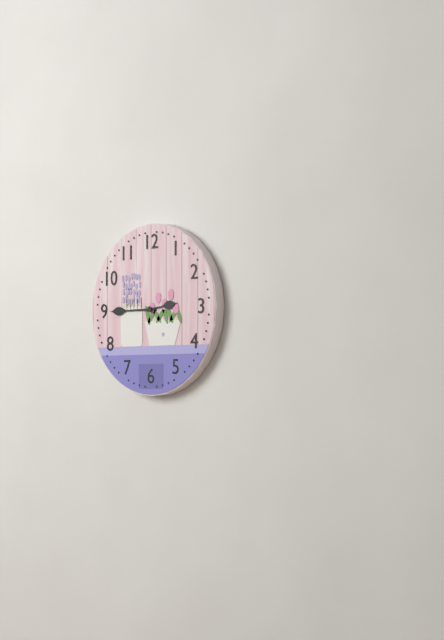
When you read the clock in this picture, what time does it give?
2:45
